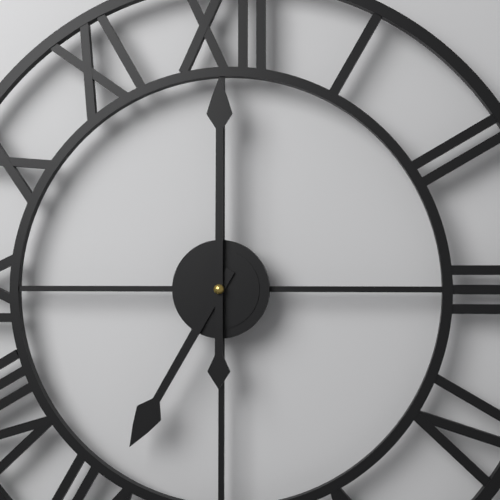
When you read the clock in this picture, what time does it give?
7:00
